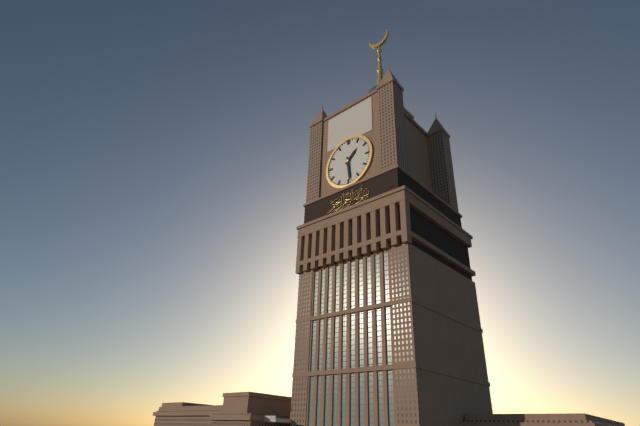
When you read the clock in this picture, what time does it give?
1:29
